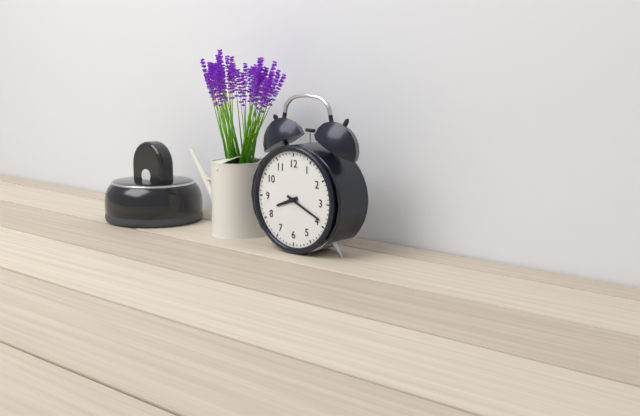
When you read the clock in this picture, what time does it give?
8:19
